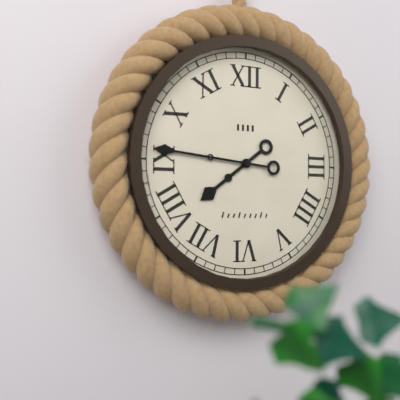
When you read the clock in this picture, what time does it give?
7:46
